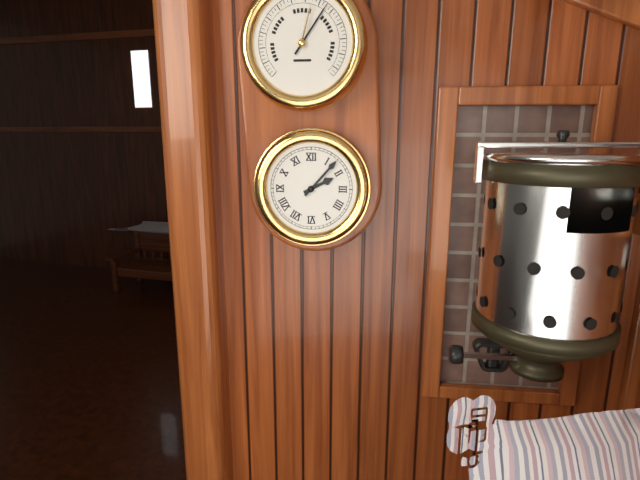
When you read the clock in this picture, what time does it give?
2:07
